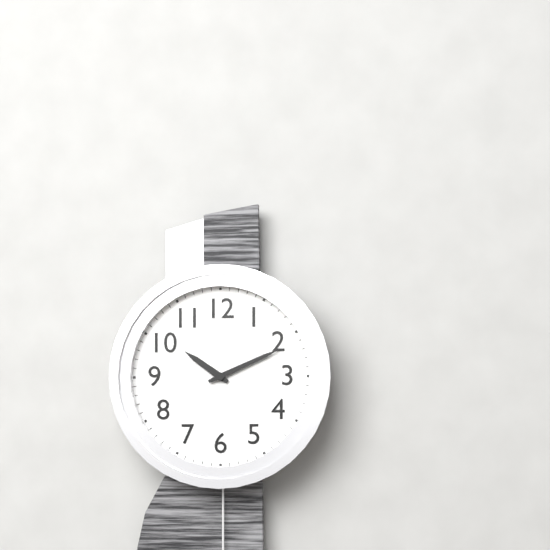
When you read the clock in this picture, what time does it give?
10:11
